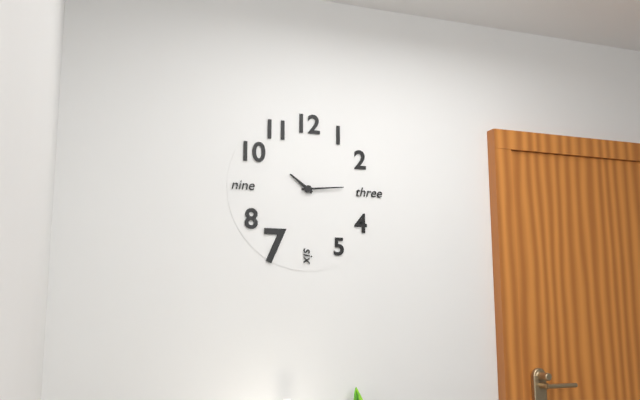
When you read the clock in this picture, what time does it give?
10:14
